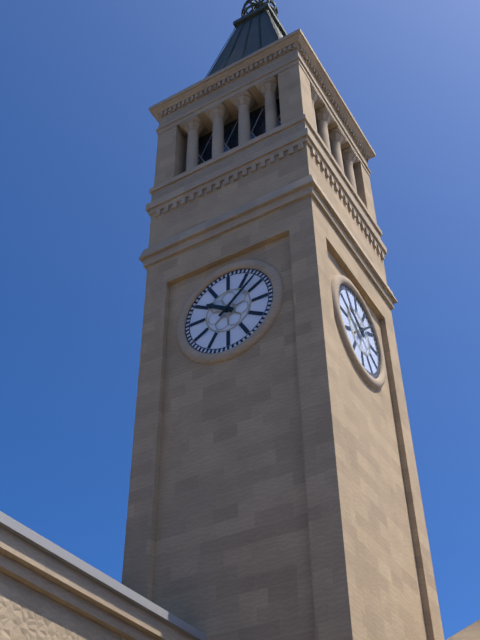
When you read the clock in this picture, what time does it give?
10:08
